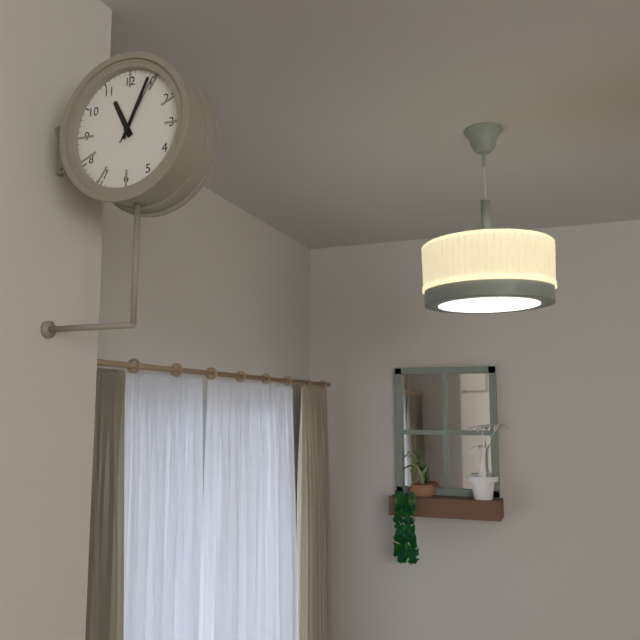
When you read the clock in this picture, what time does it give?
11:04:05
